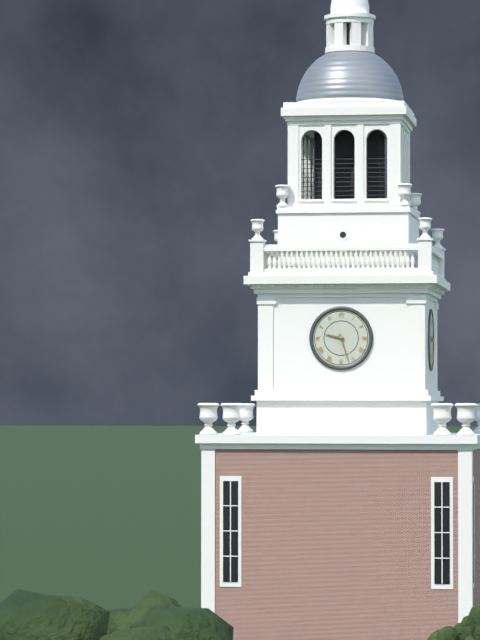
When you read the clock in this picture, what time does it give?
9:27
